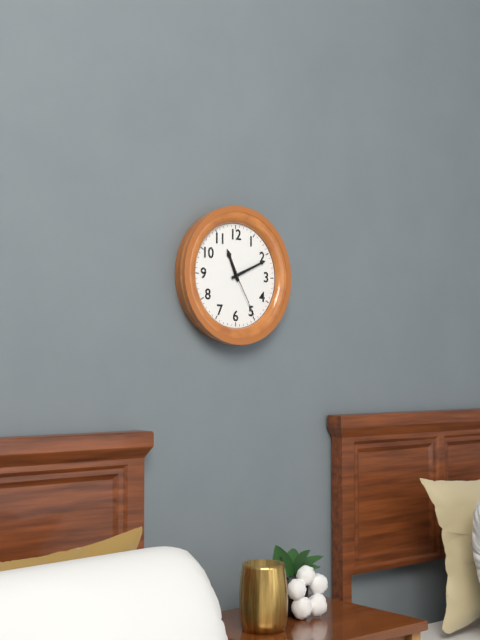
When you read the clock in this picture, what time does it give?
11:11:25
